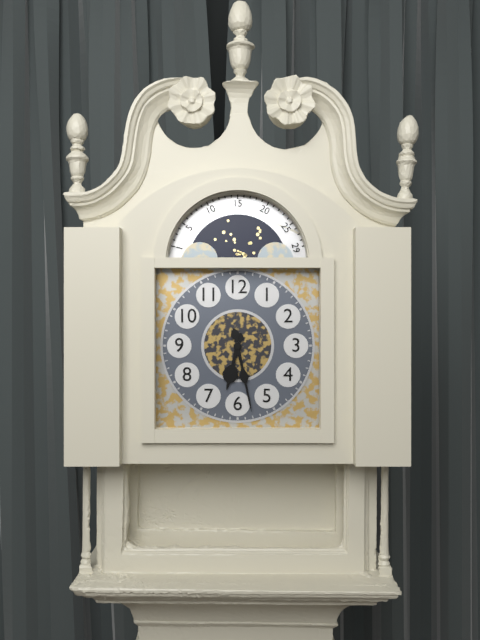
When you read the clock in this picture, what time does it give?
6:28
